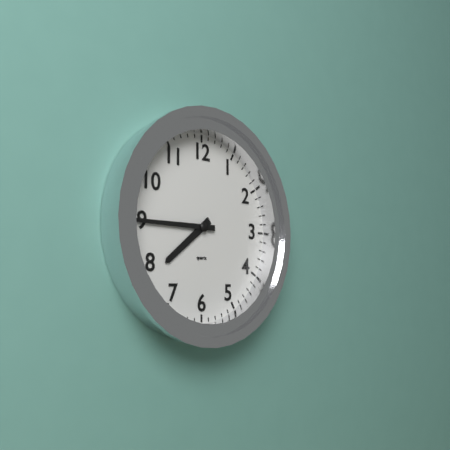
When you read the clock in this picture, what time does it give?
7:45
